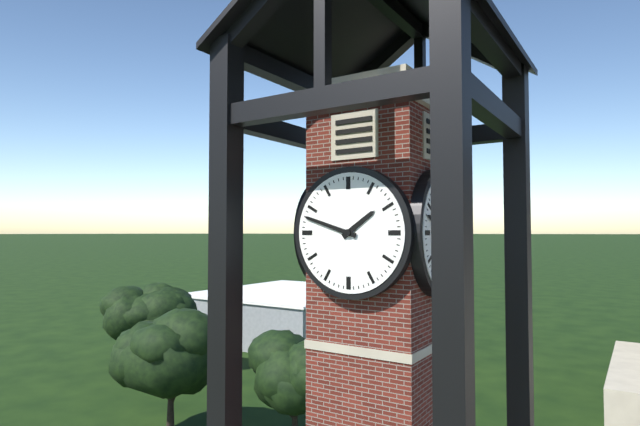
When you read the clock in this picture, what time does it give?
1:48
